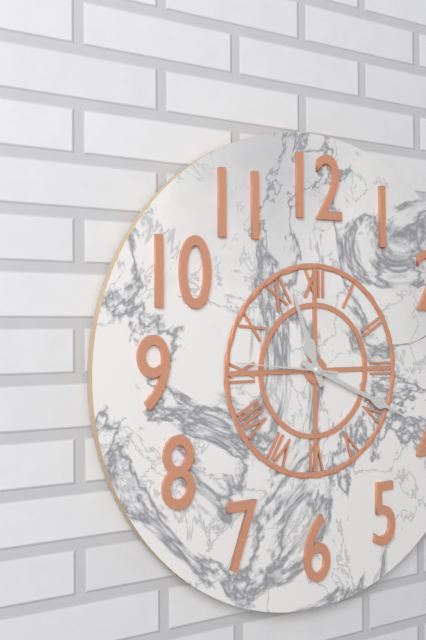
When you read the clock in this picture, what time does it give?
11:19:46
